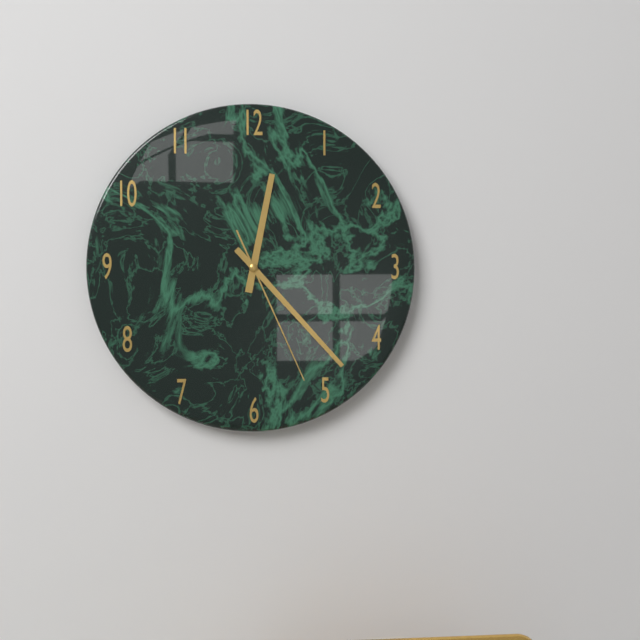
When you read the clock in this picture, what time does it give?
12:23:26
